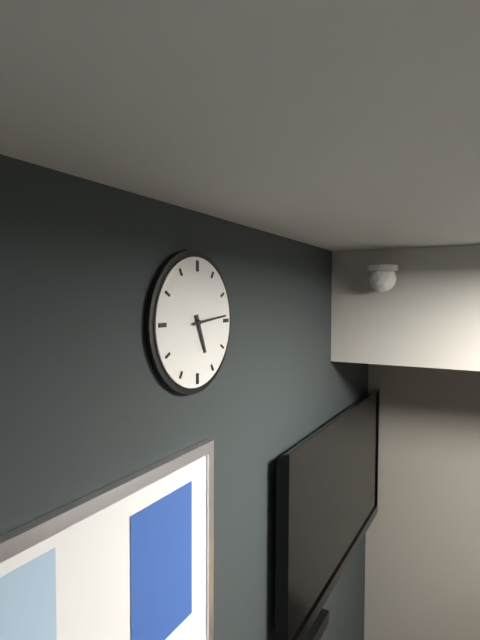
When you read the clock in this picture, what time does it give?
5:14
